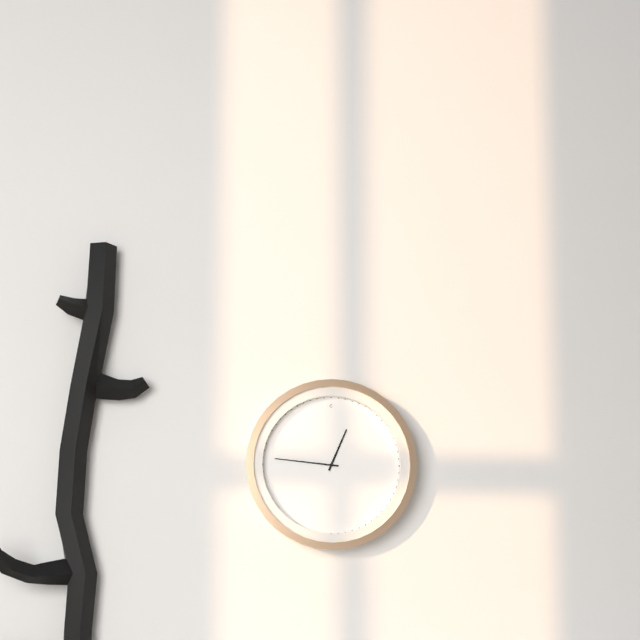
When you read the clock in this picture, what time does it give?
12:46
